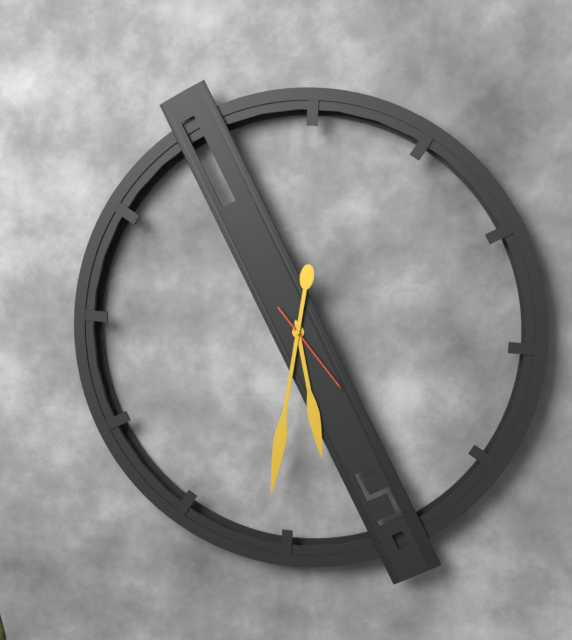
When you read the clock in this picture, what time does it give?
5:31:23
